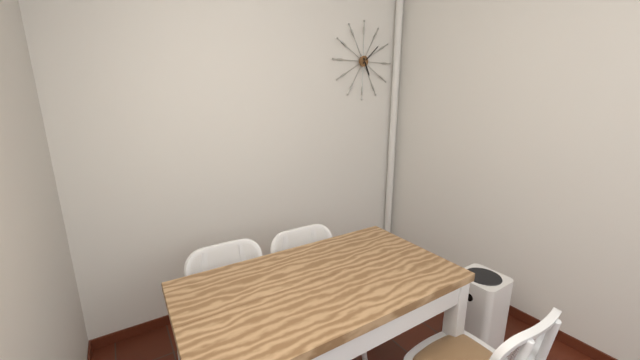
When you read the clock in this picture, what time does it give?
5:08
